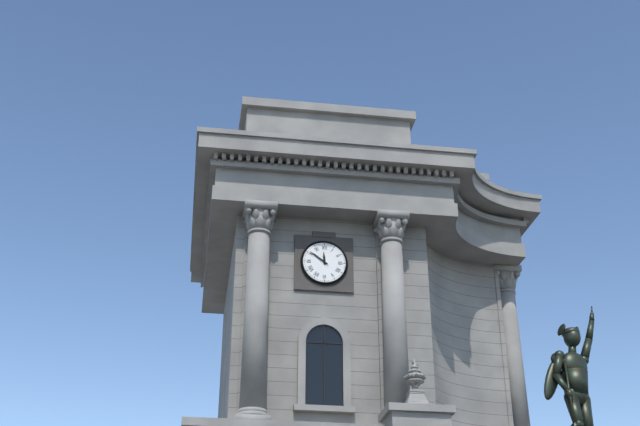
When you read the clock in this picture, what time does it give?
11:51
